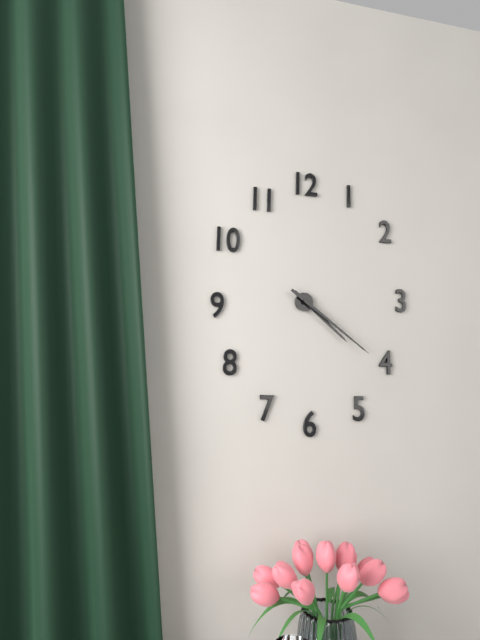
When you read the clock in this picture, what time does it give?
4:21
